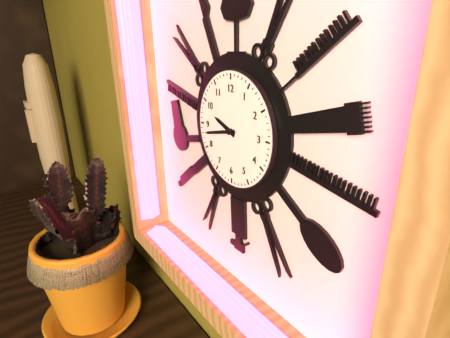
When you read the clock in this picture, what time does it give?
9:43
